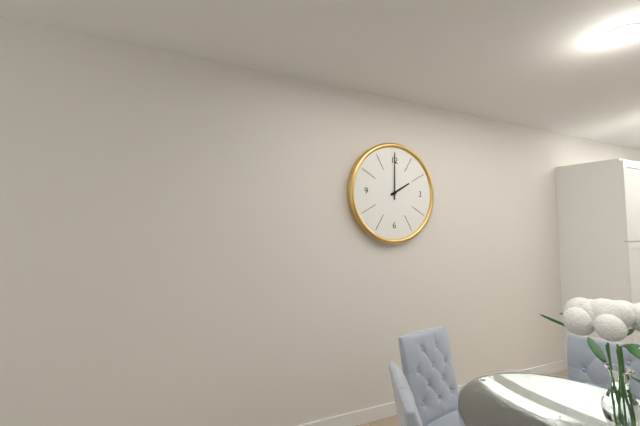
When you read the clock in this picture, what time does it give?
2:00
